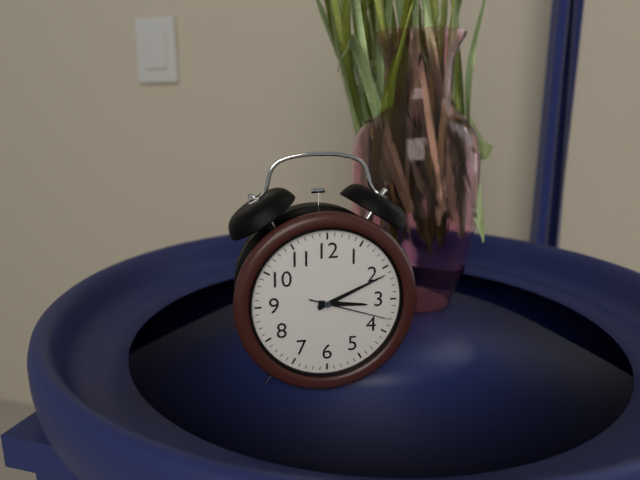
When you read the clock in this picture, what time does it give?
3:11:18
